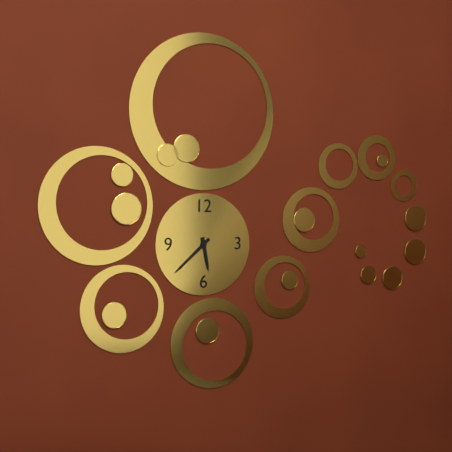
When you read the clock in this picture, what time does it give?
5:38
